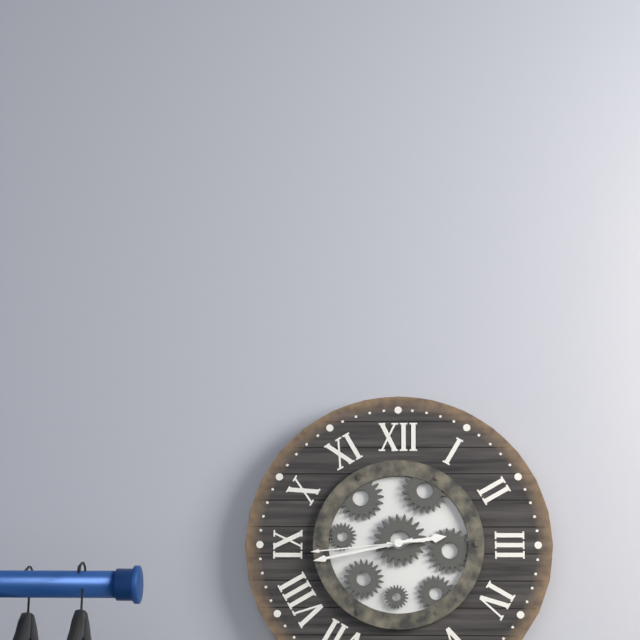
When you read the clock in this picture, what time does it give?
2:43:44
